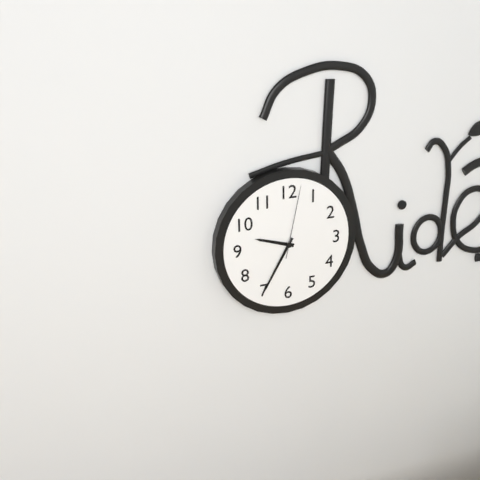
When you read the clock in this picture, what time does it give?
9:35:02
